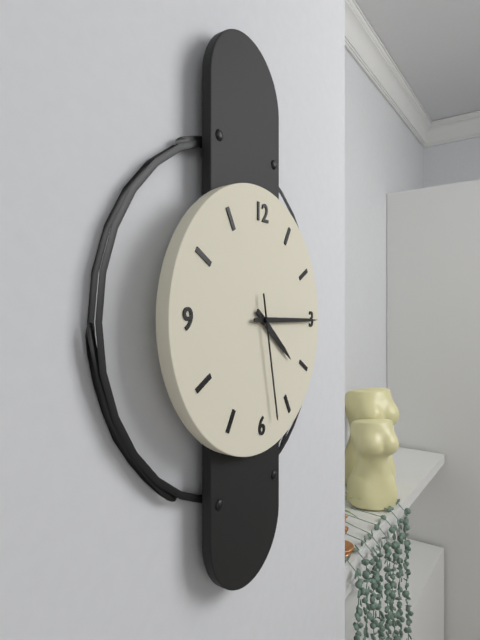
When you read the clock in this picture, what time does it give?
4:15:28
